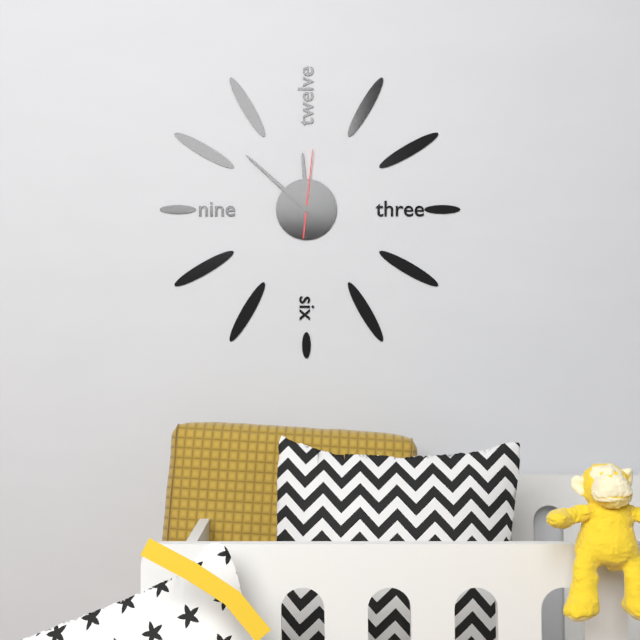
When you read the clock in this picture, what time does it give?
11:52:01
